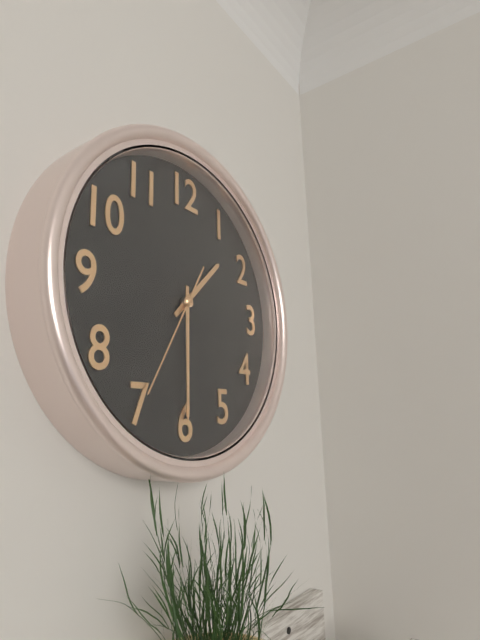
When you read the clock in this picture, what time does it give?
1:30:35
